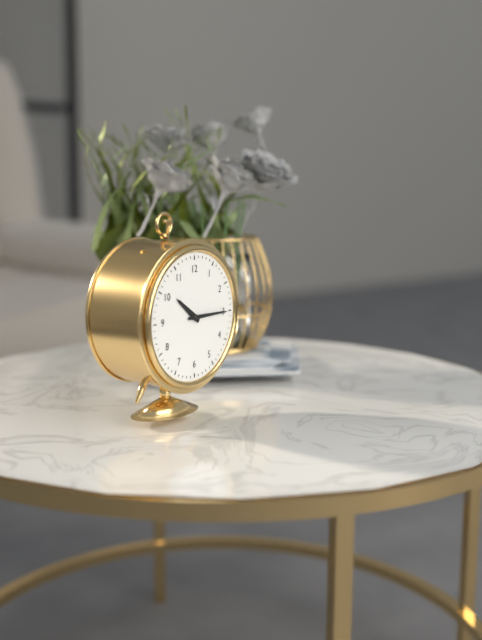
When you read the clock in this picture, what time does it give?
10:15
